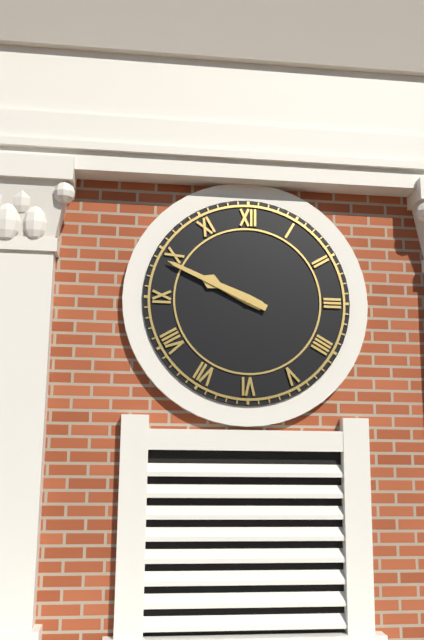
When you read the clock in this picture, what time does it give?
9:49
